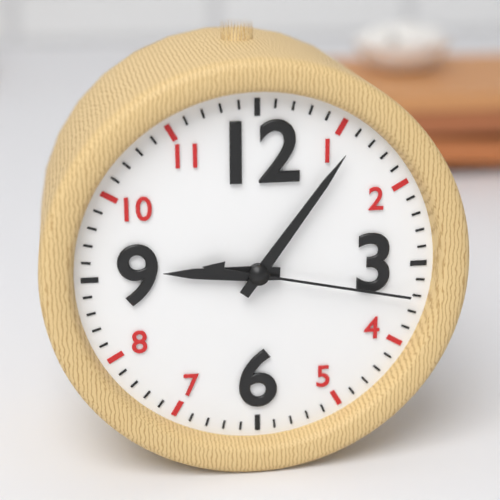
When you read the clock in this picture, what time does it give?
9:06:17
